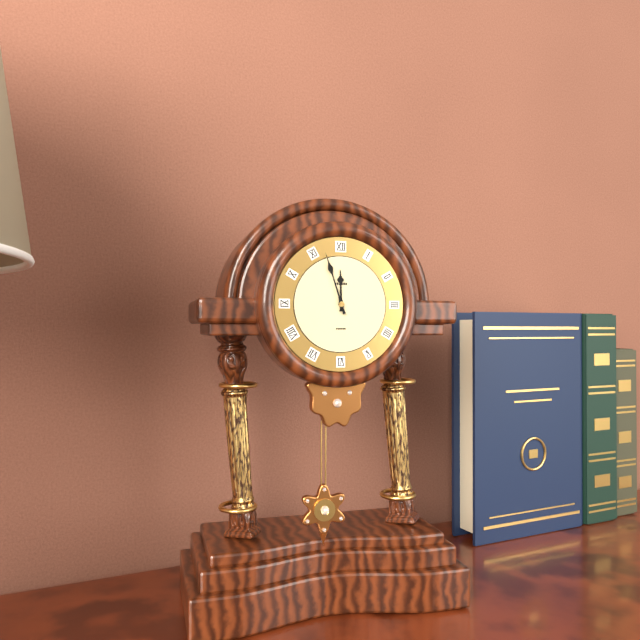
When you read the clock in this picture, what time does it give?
11:57
